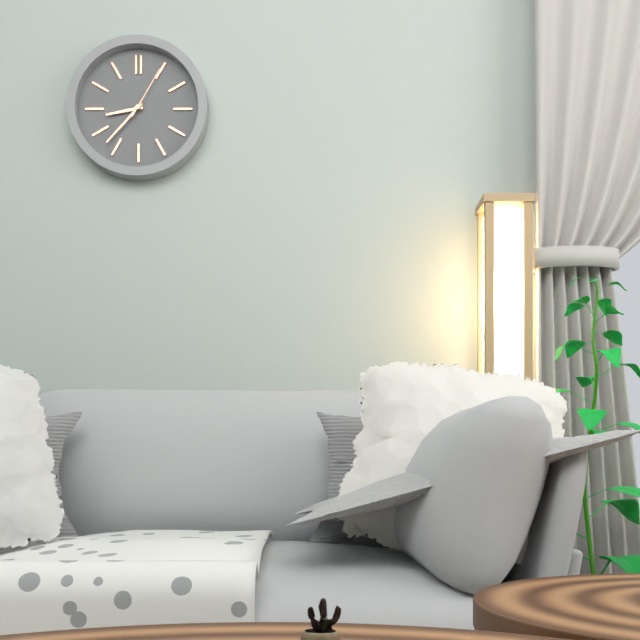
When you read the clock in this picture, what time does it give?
8:37:05
